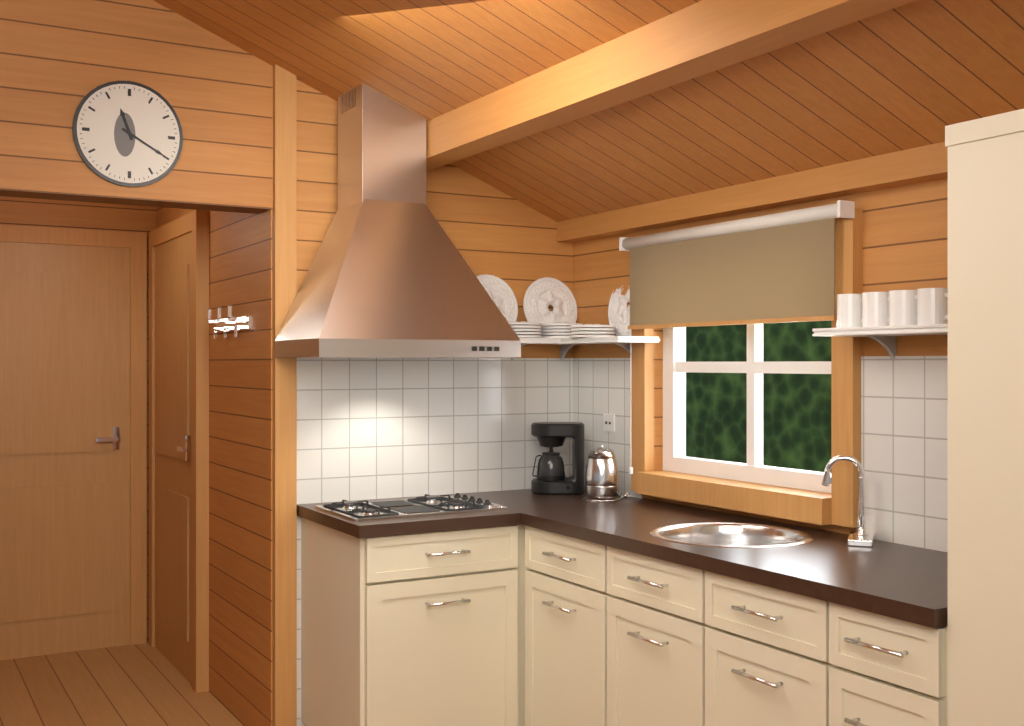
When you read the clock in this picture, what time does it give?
11:20
